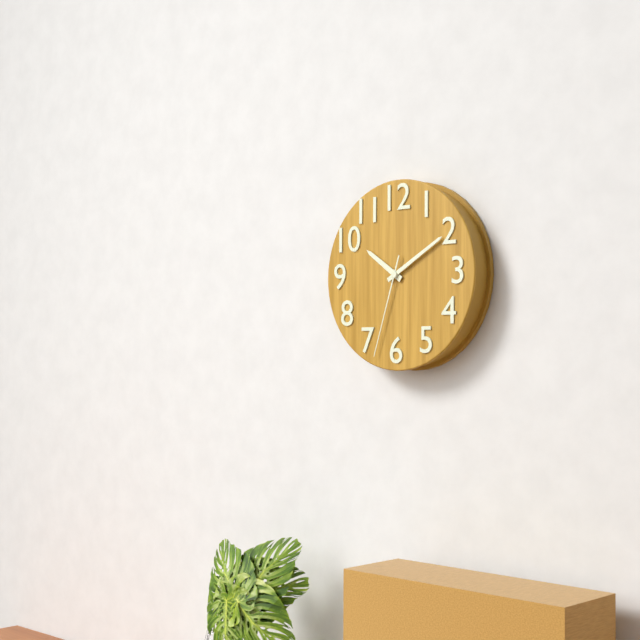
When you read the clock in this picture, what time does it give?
10:10:33
